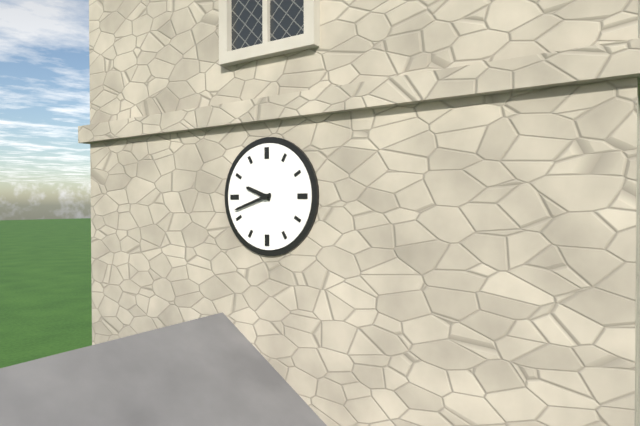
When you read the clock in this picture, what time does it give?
9:42
